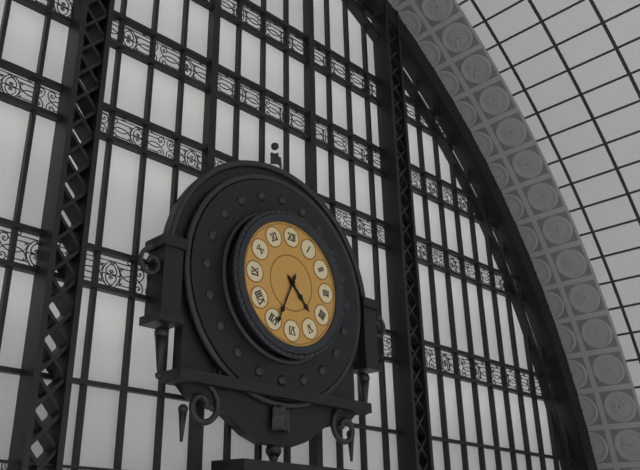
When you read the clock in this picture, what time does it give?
4:34
